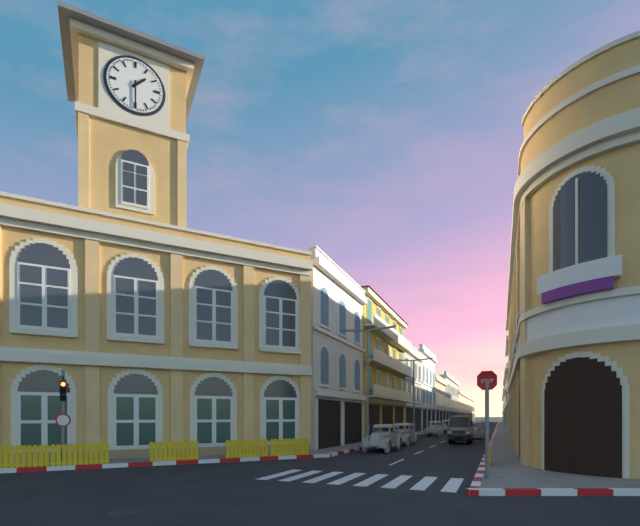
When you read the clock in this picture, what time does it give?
1:30
